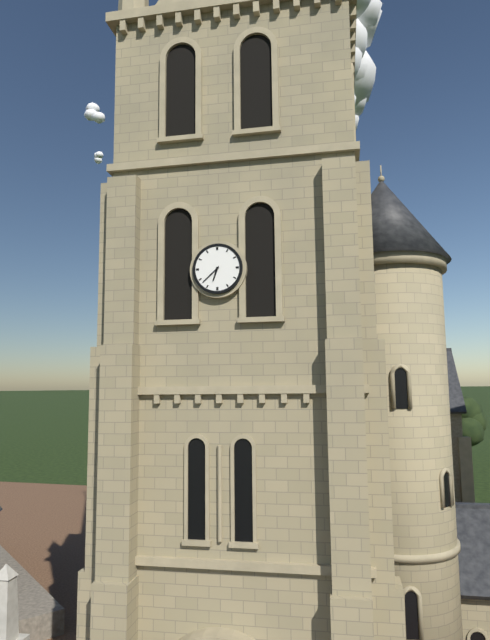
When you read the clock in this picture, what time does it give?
6:38
